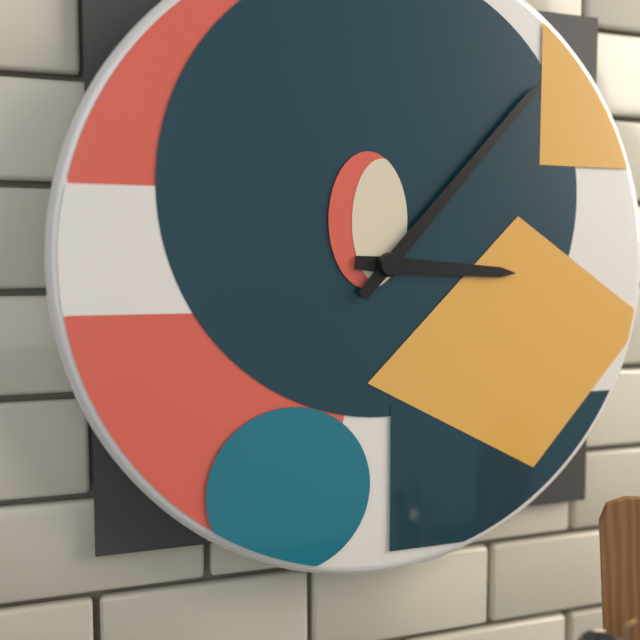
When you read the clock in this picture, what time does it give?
3:07
